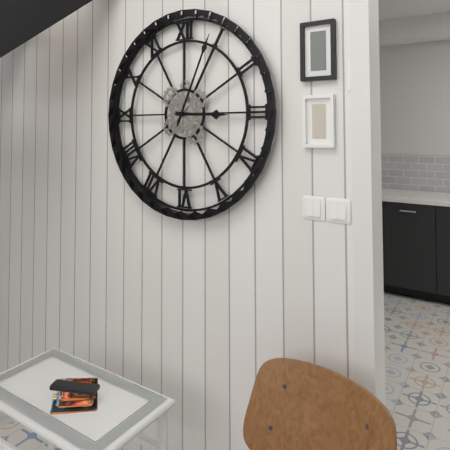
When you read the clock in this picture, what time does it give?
3:04
